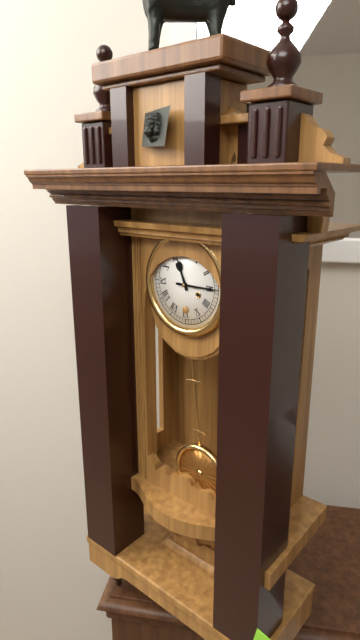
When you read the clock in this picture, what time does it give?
11:15
